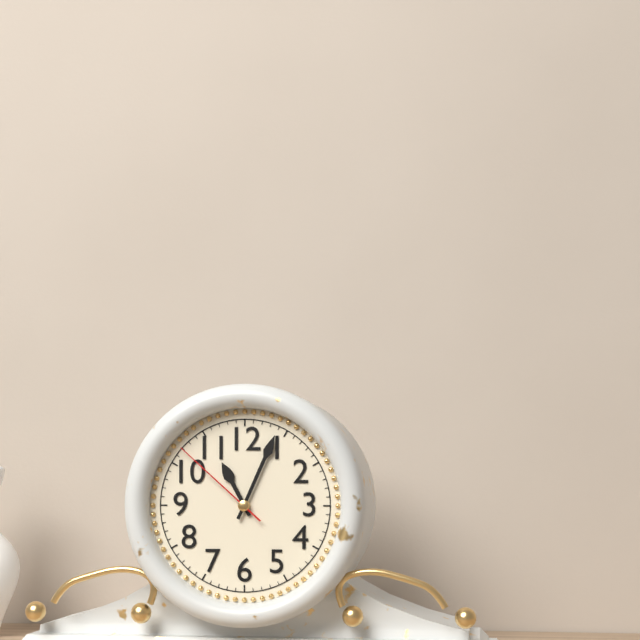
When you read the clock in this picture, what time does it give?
11:04:52
